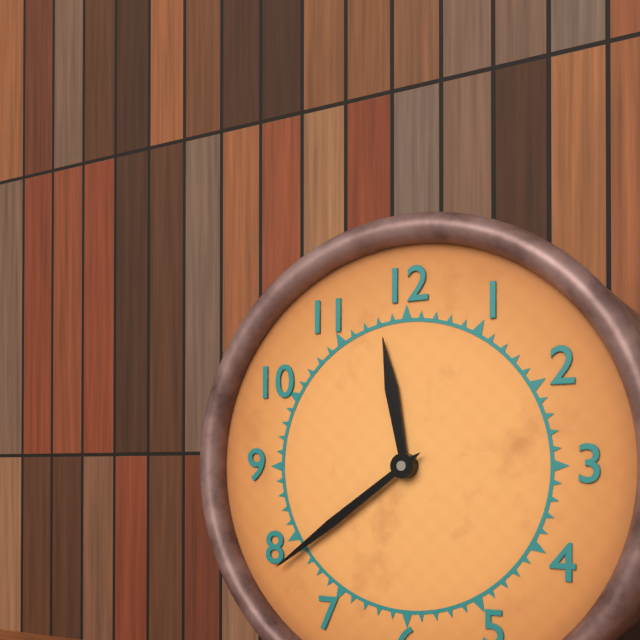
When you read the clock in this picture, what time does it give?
11:39
